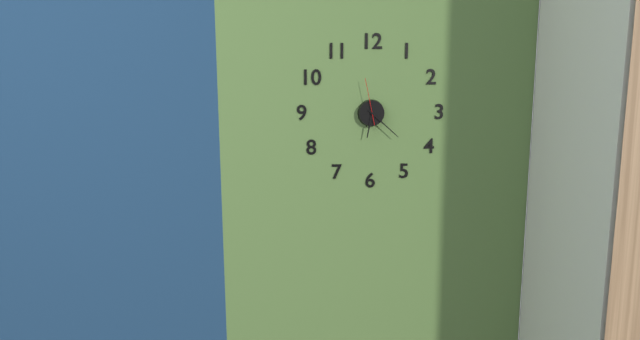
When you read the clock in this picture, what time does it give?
6:22
